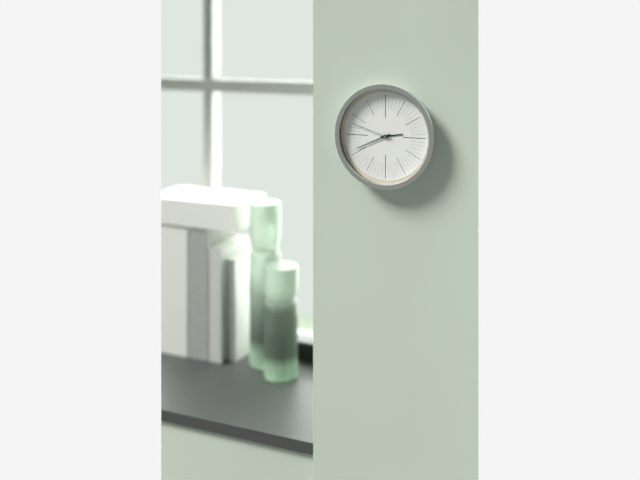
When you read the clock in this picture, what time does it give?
2:41
